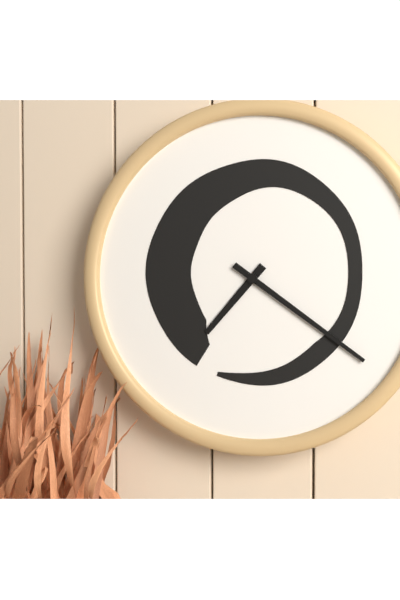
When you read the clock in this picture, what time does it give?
7:21
